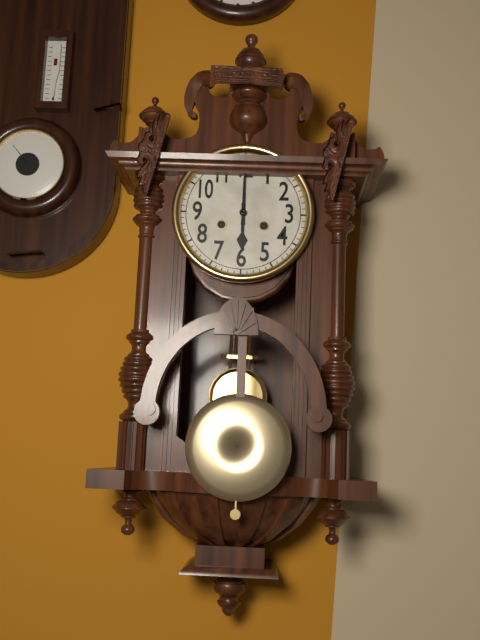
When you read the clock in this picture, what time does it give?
6:00
